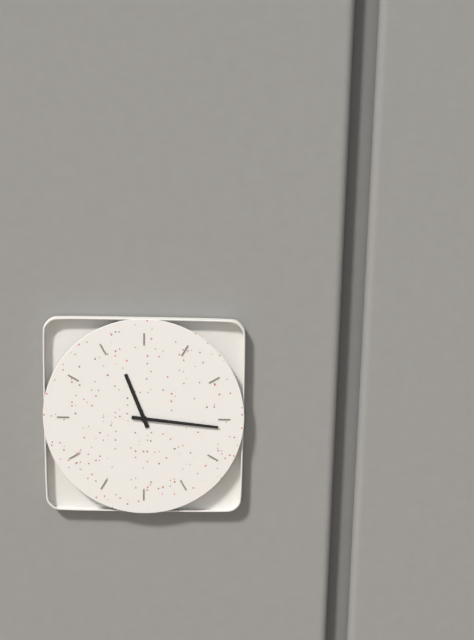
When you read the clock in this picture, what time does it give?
11:16
